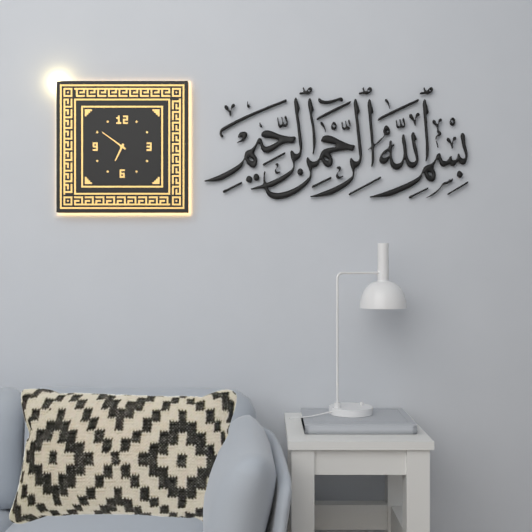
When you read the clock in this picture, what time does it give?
6:51
